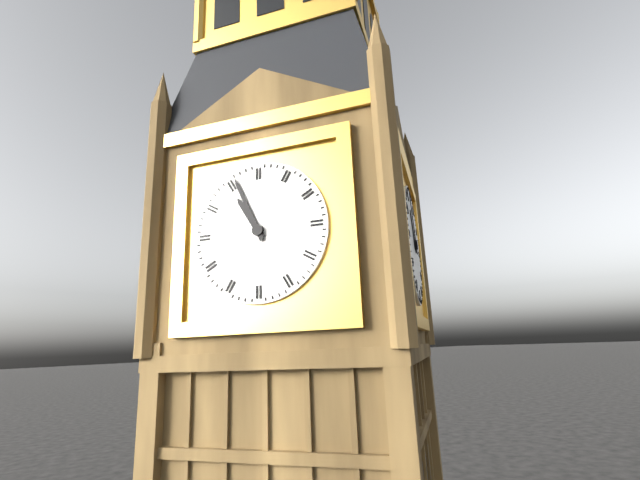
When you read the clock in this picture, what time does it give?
10:56
